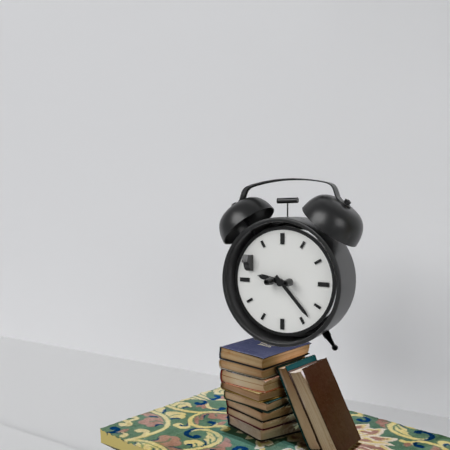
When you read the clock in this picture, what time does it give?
9:23
